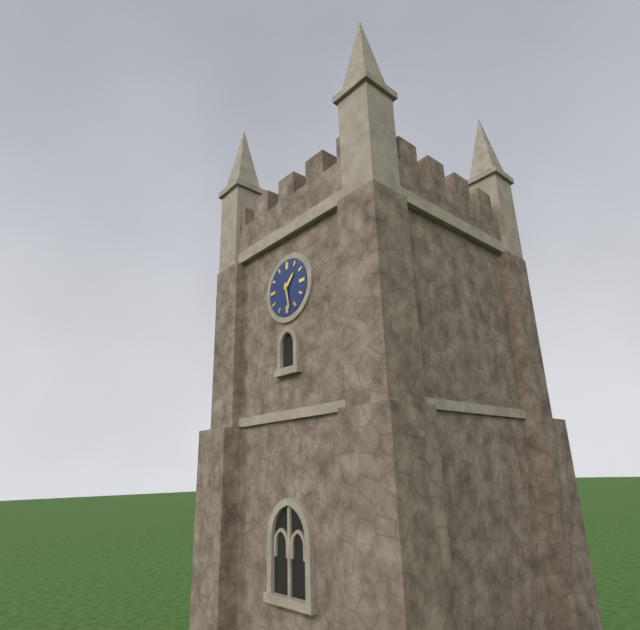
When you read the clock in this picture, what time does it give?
1:28
